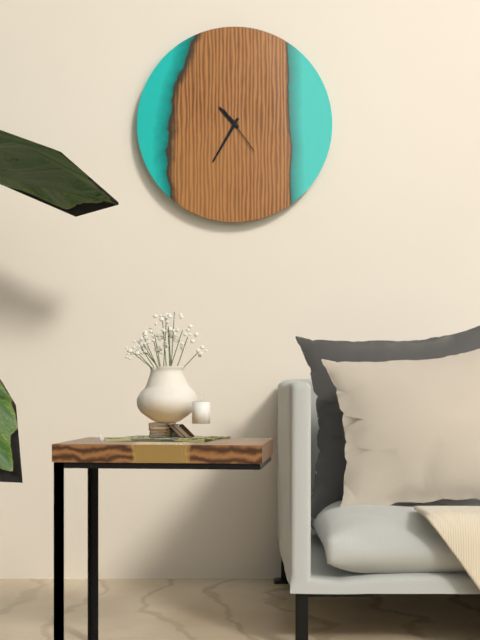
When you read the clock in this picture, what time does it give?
10:35
